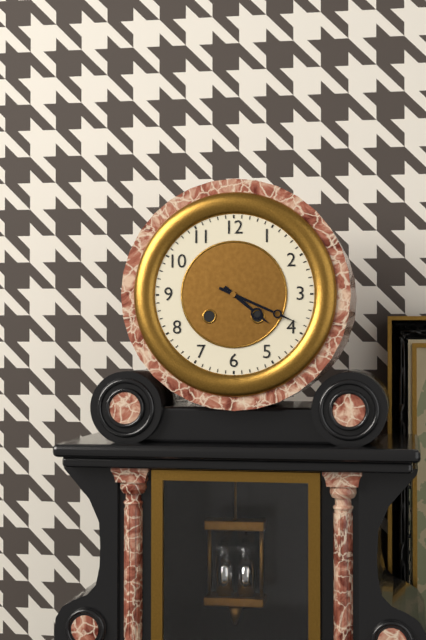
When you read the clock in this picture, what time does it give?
4:19
